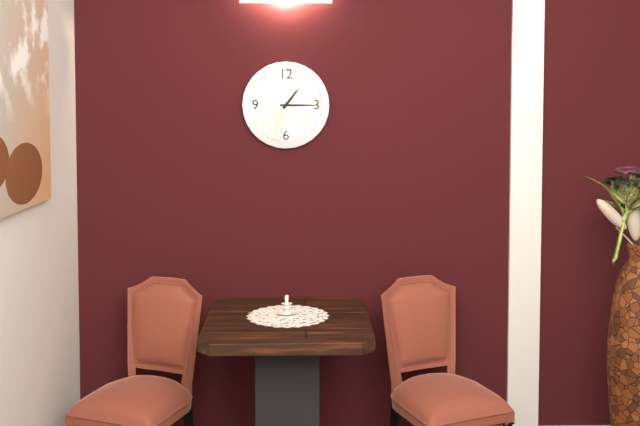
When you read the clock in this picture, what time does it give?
1:15
